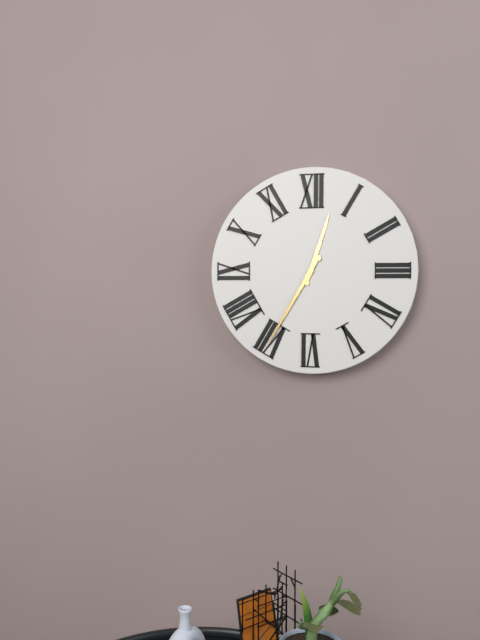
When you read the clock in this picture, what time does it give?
12:35
